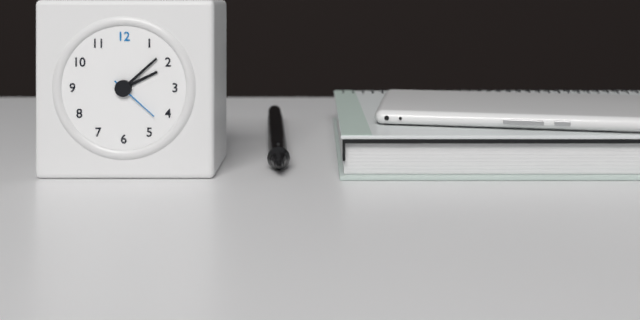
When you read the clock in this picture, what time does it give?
2:08:22
